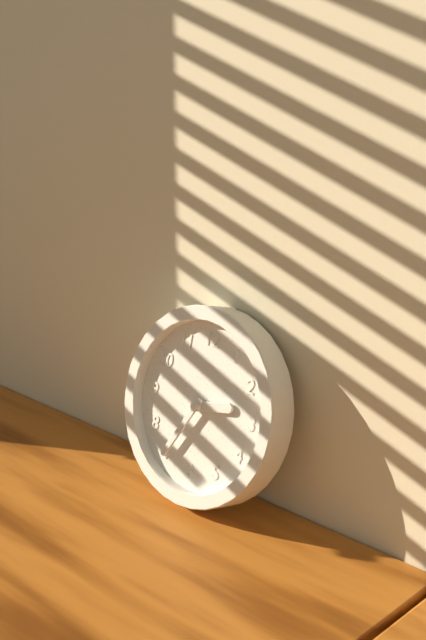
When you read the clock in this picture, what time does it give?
2:35
